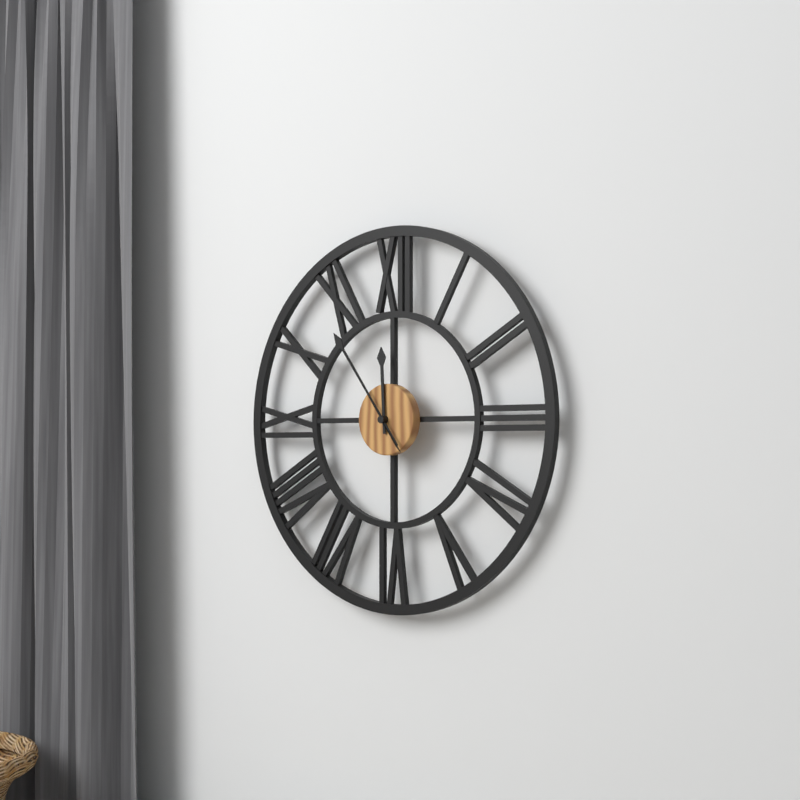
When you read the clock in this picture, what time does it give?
11:54
